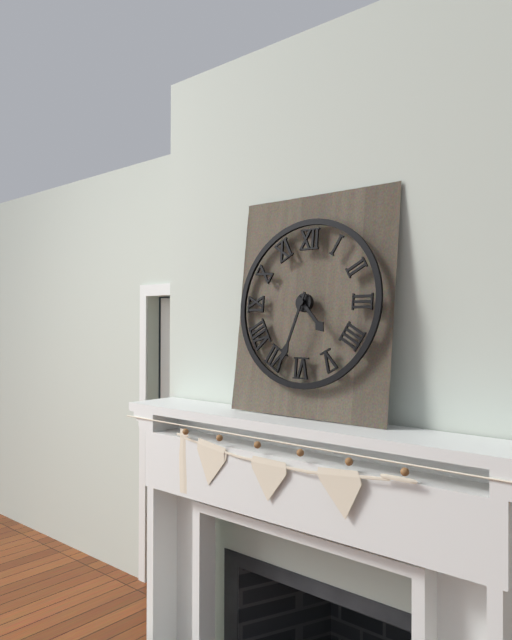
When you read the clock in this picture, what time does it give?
4:33
